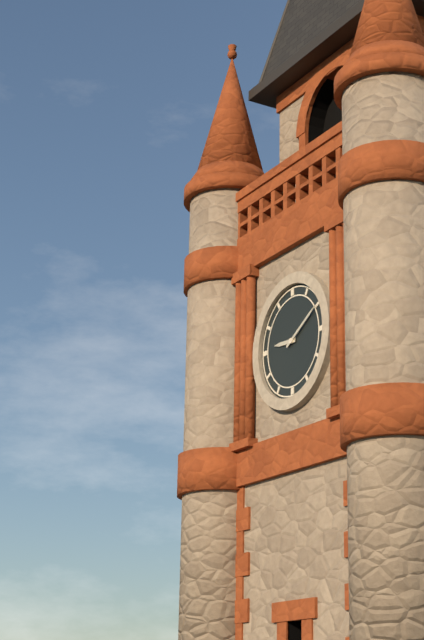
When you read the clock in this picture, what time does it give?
9:10
